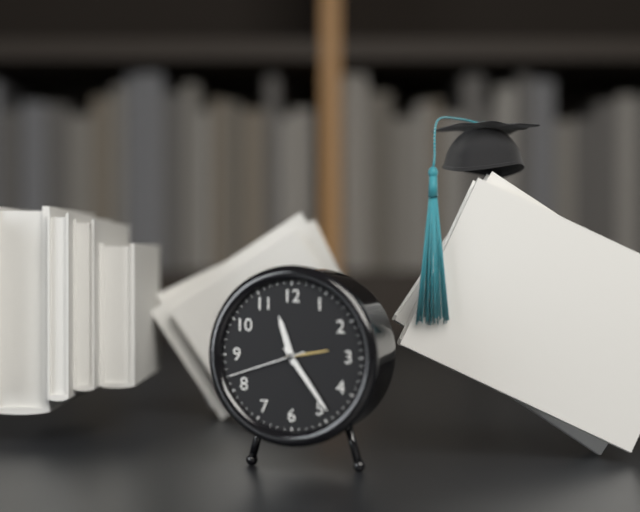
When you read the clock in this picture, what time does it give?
11:24:42
